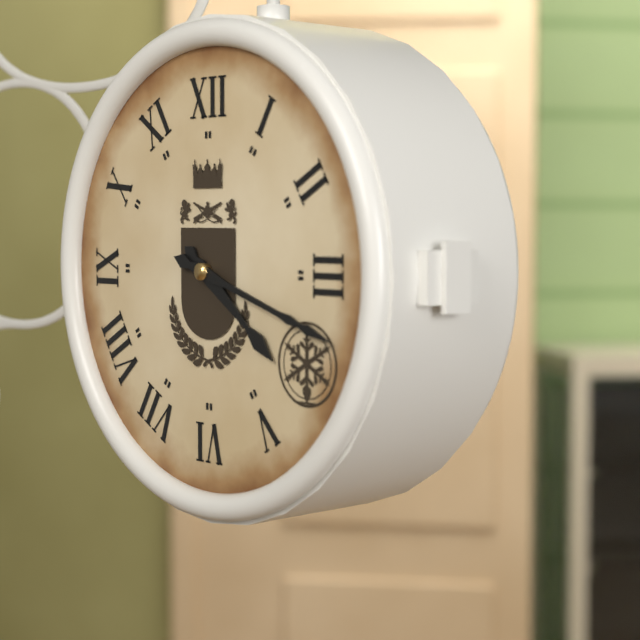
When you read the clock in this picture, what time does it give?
4:18
